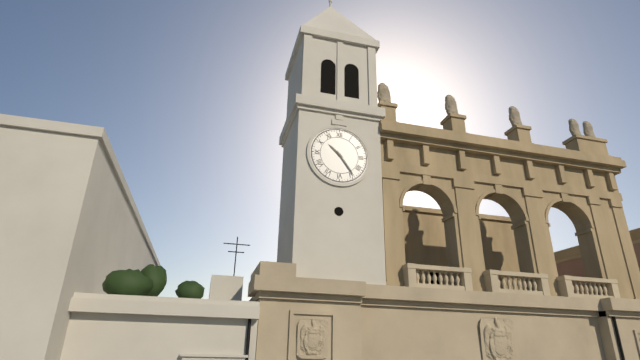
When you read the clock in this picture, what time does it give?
10:24
